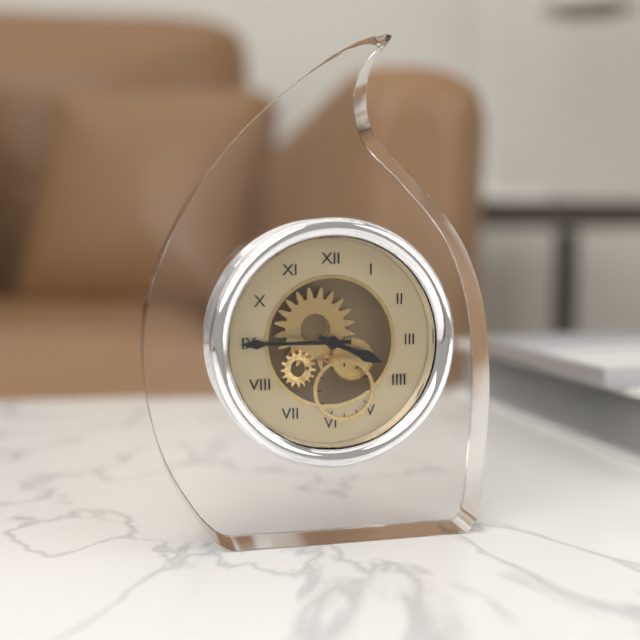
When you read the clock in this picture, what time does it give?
3:45
